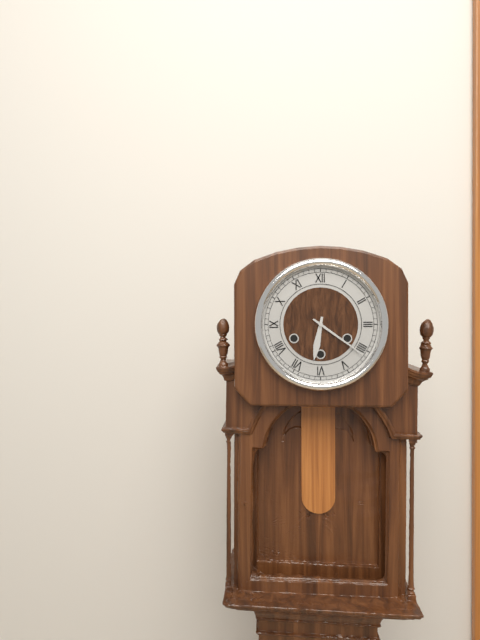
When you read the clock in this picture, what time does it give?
6:21
